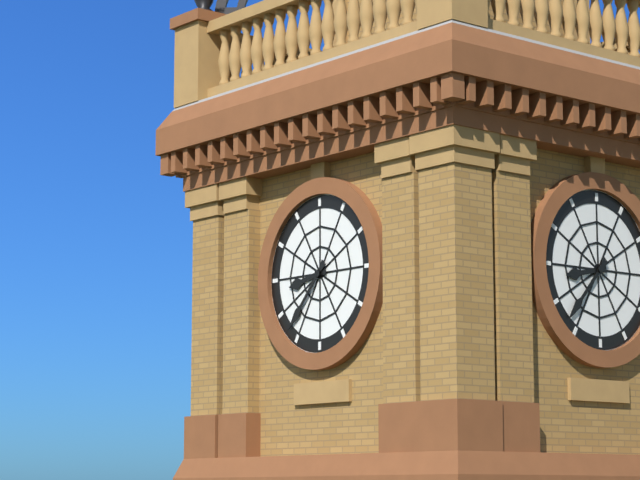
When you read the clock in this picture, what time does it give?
8:37
